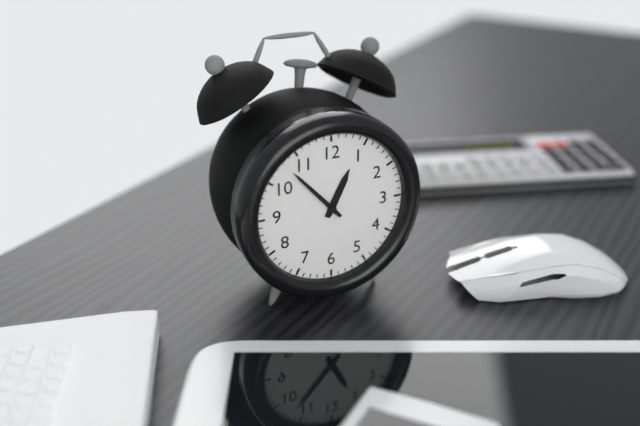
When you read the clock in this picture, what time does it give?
12:53
